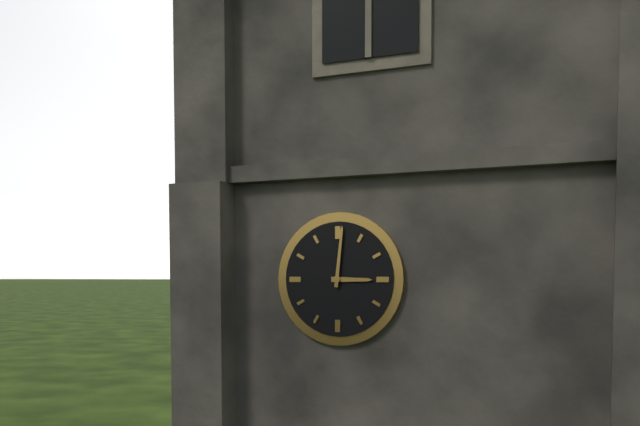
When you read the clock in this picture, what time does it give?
3:01
